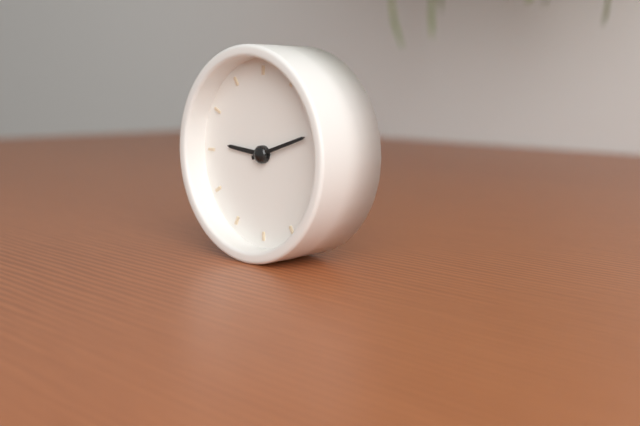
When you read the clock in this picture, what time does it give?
9:12
